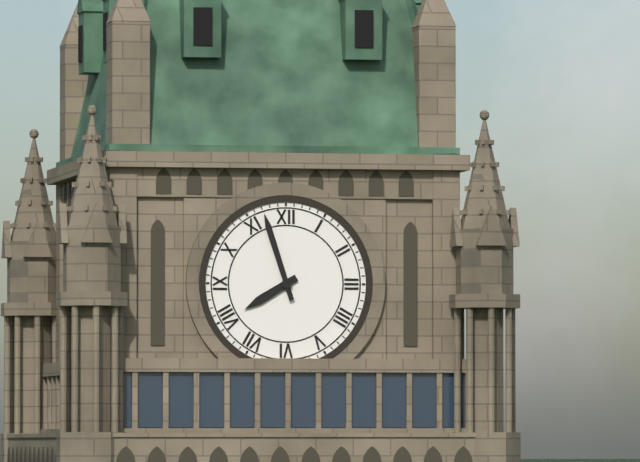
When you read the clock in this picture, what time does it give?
7:57
